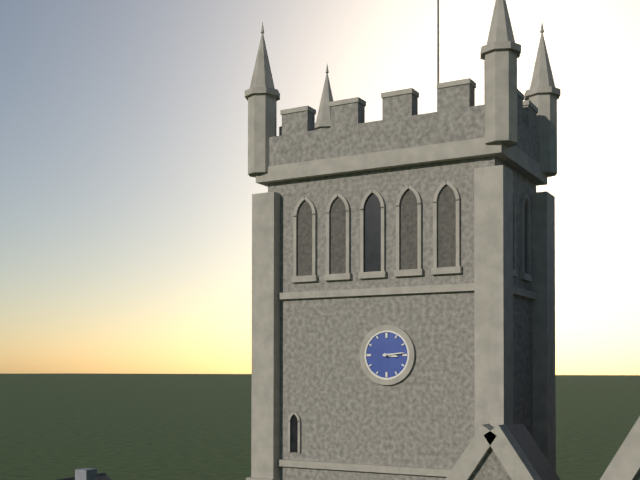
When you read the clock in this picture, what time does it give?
3:14
